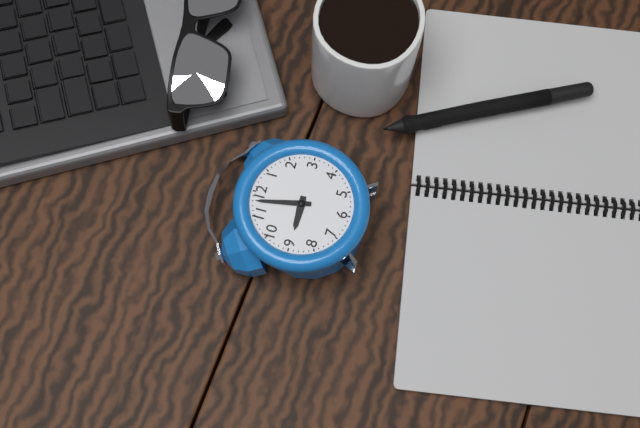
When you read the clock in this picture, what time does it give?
8:58
